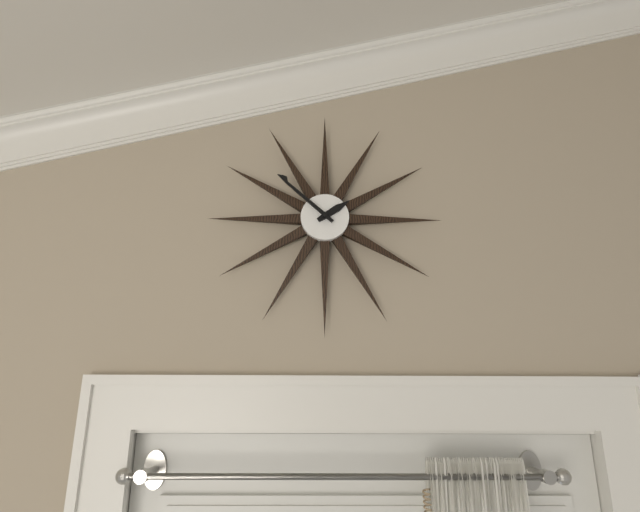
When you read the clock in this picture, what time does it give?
1:52
